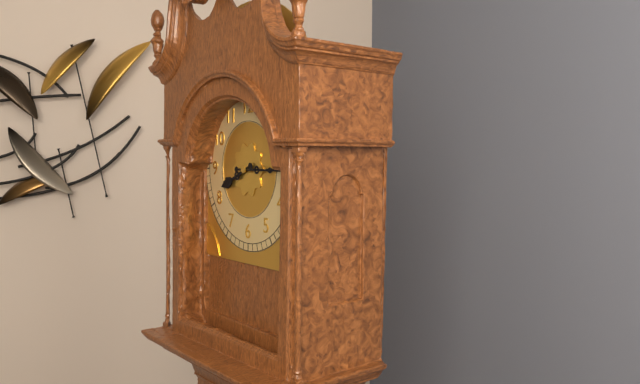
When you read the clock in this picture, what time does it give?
8:15
